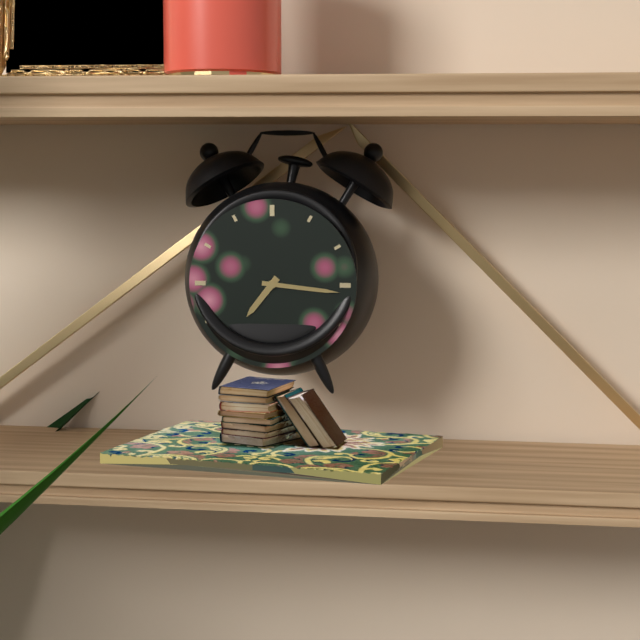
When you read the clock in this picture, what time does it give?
7:16
